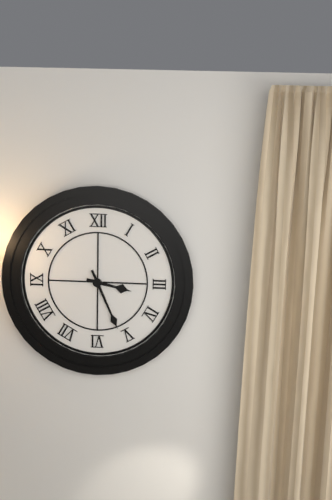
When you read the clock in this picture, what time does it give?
3:26
